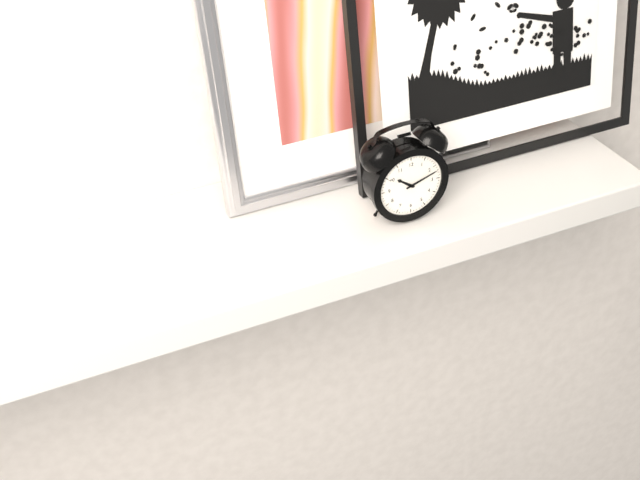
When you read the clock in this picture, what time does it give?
10:12
